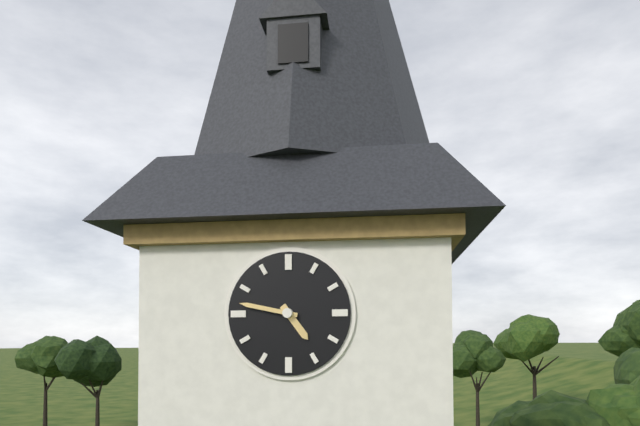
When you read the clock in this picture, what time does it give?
4:47
